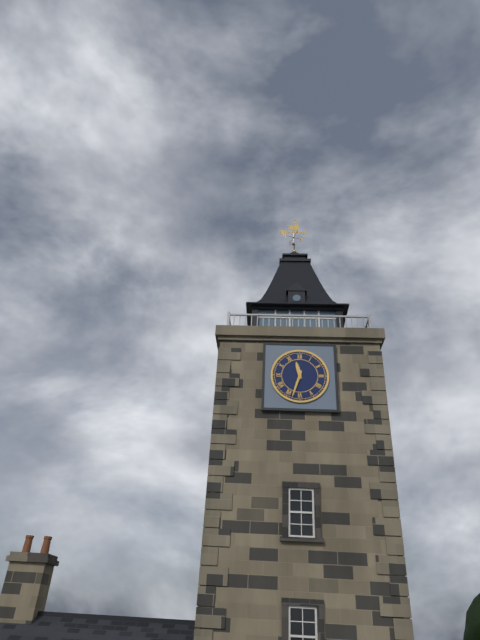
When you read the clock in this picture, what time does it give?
11:33
